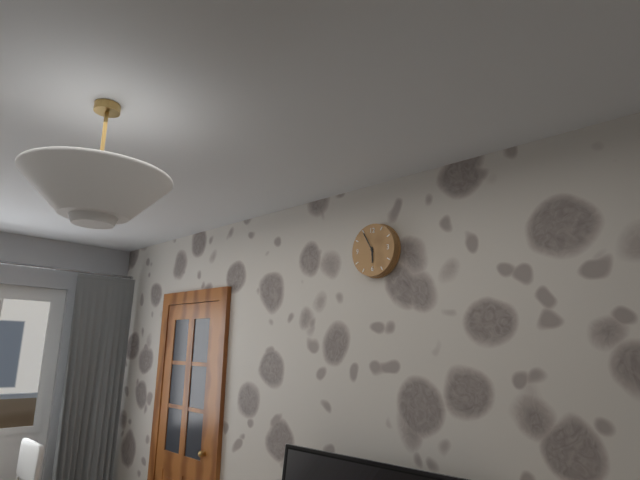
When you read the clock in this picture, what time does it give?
5:55
